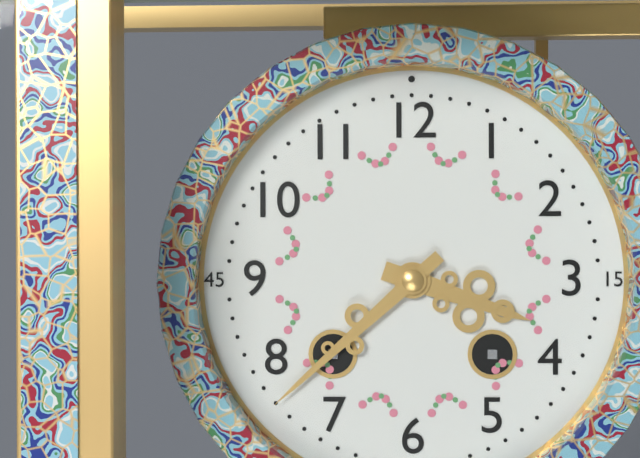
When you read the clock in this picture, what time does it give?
3:38
